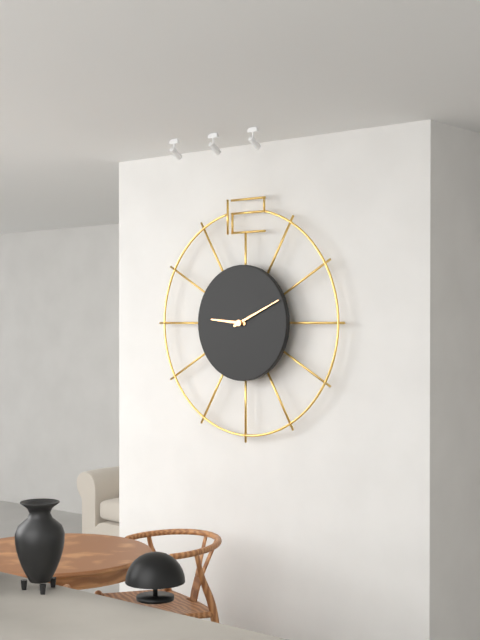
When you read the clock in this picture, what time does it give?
9:11
